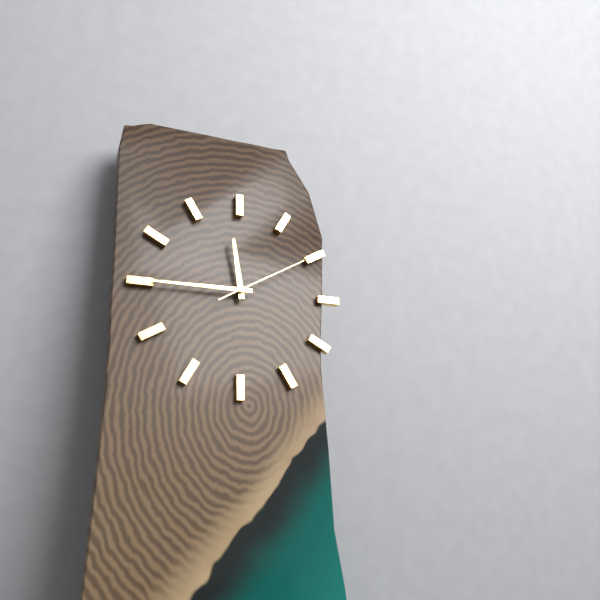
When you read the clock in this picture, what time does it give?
11:45:10
